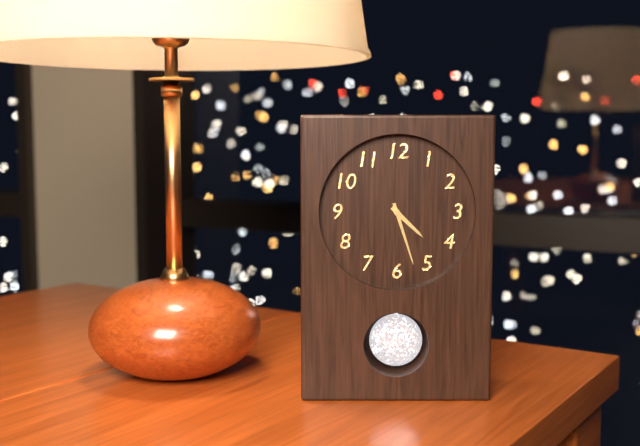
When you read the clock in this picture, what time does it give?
4:27
